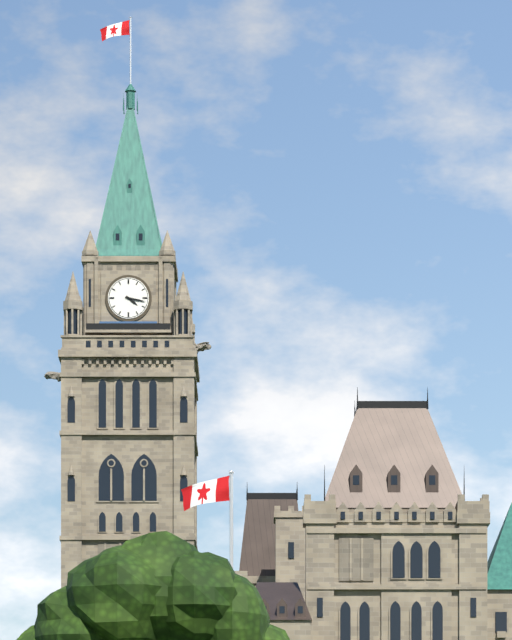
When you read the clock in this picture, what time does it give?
4:17
